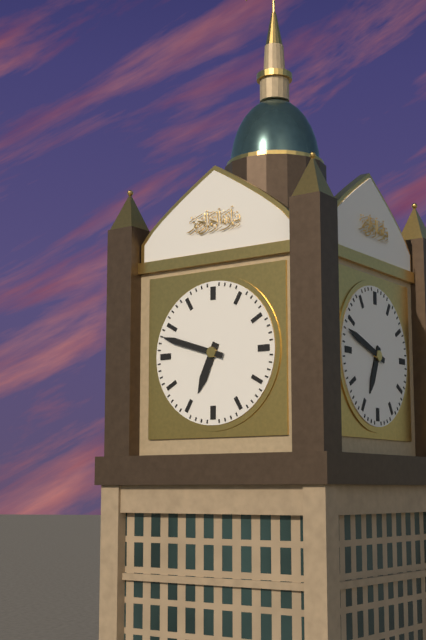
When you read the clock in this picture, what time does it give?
6:48
